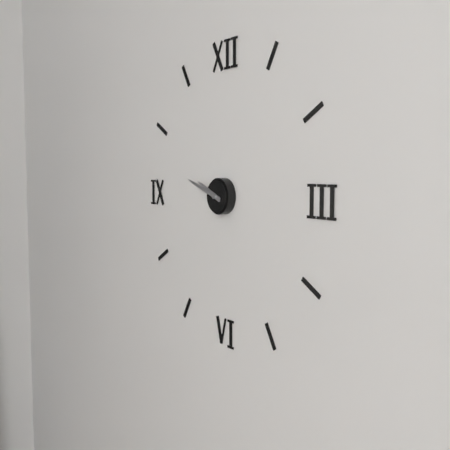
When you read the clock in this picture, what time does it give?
9:48
